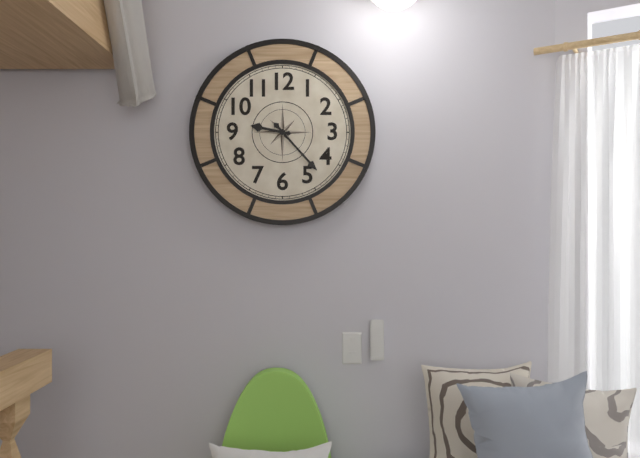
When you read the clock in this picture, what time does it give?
9:23
